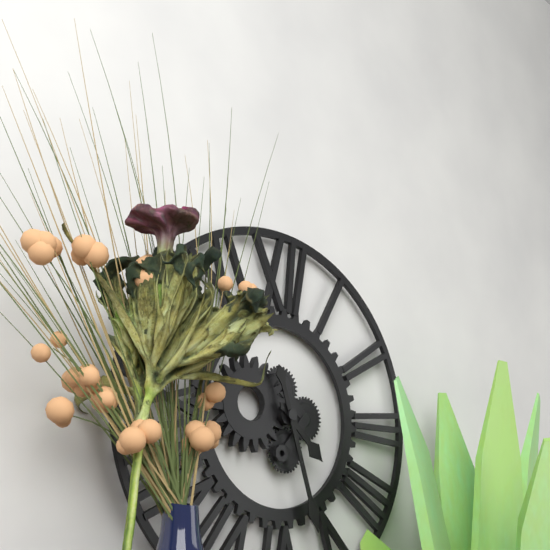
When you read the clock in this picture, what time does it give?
4:27
